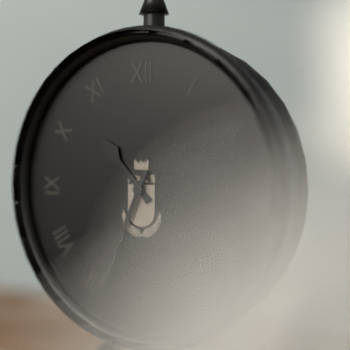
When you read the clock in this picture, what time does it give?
10:34
